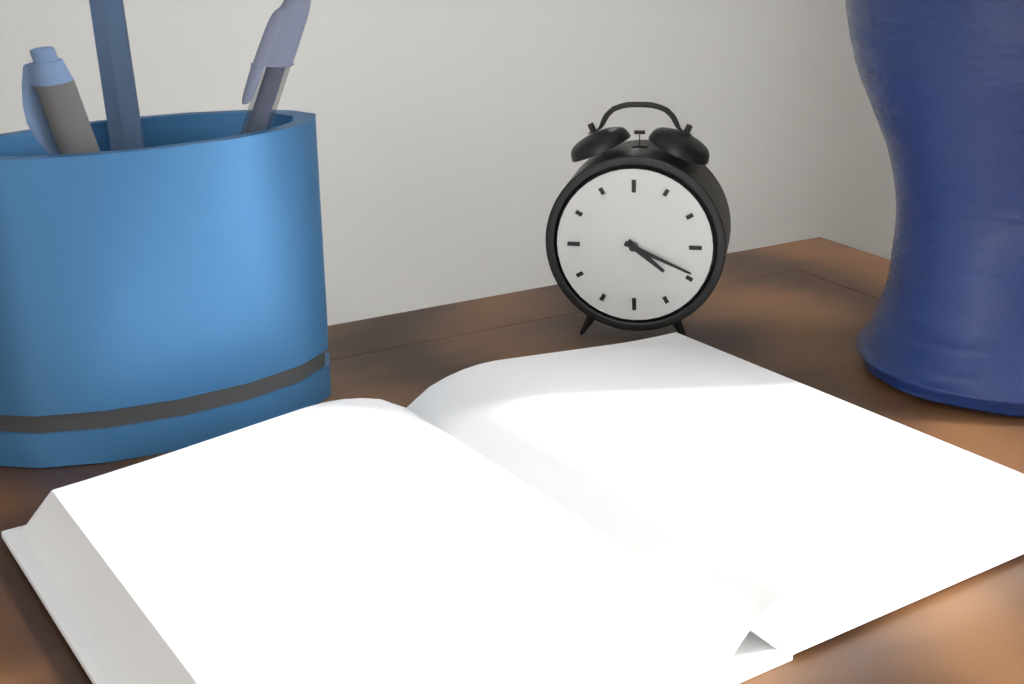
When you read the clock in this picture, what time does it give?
4:19
